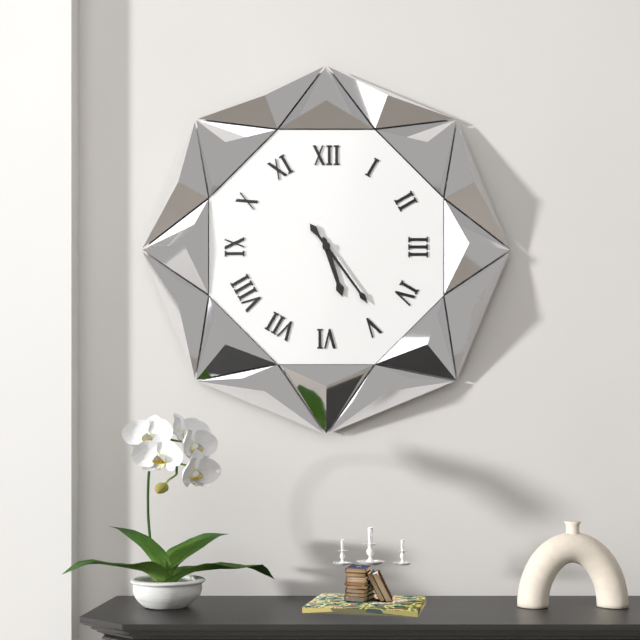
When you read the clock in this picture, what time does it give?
5:24
